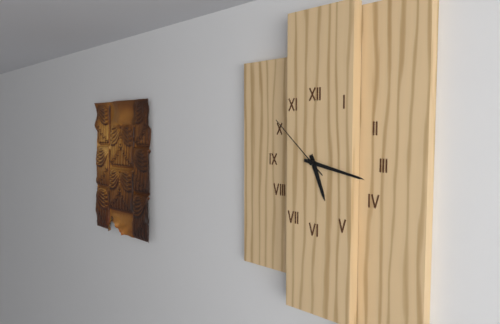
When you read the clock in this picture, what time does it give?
5:17:52
